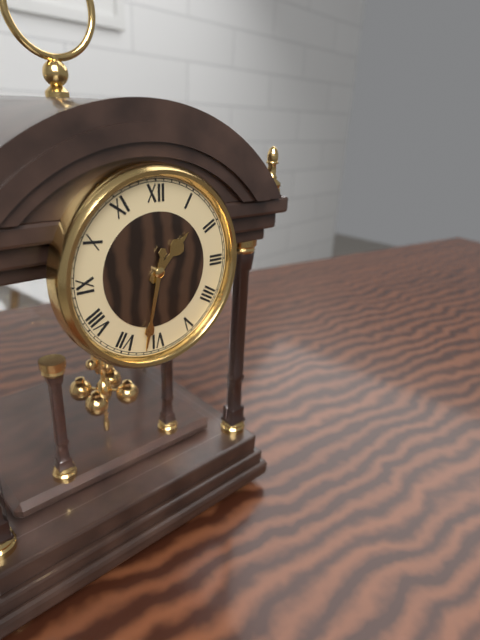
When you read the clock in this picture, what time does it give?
1:32
